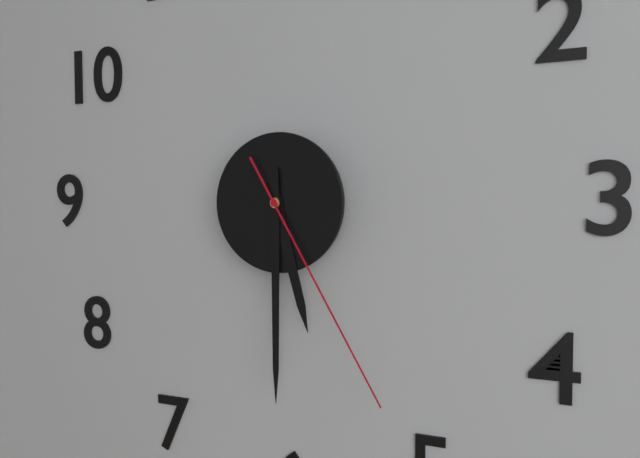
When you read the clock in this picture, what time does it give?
5:30:25
